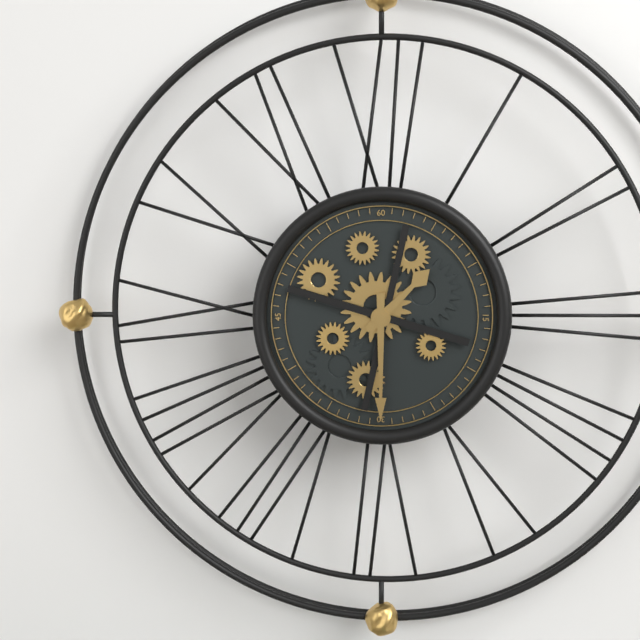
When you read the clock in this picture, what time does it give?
1:30
